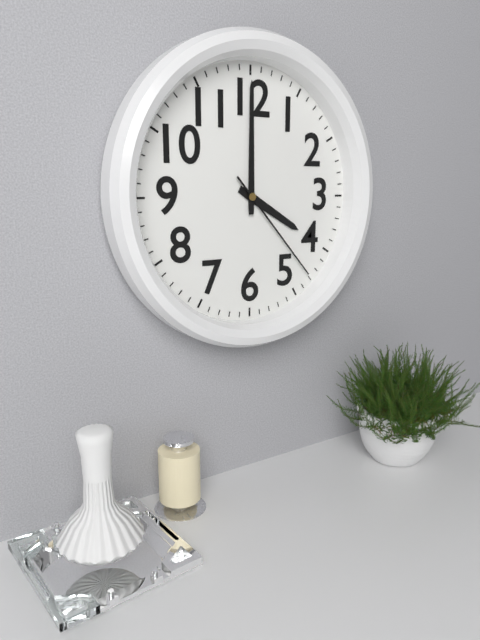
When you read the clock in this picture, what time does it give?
4:00:23
